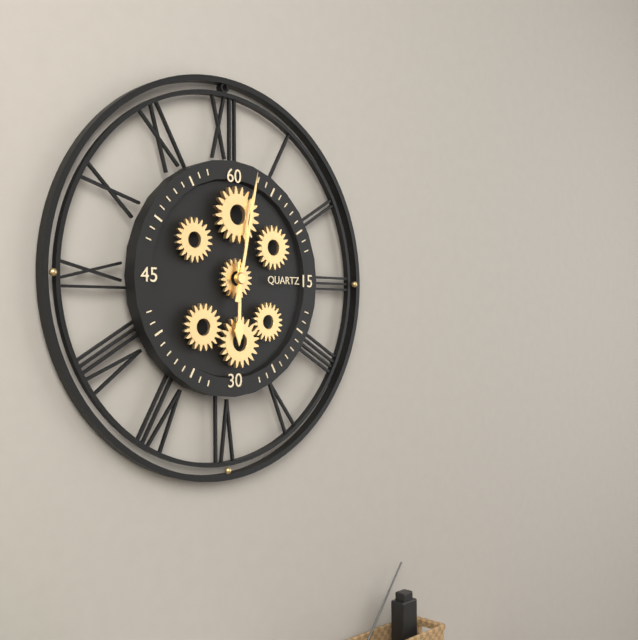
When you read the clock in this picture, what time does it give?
6:02
